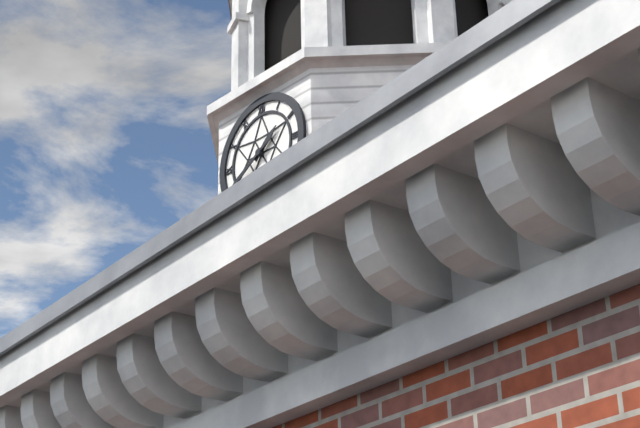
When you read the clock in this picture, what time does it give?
1:40
